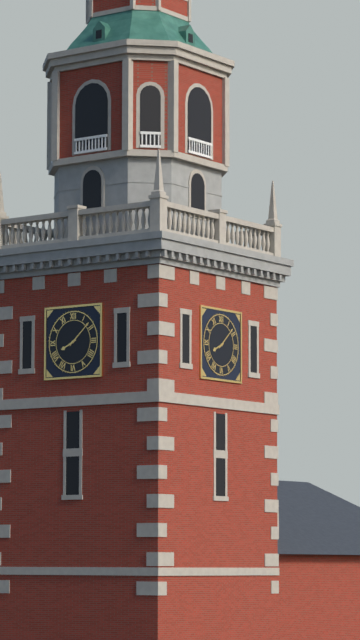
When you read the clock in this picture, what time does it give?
8:08
